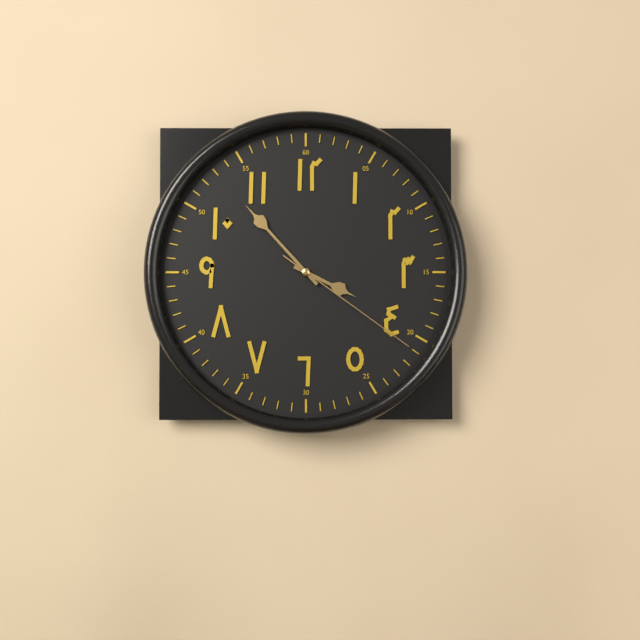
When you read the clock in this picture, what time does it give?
3:53:21
